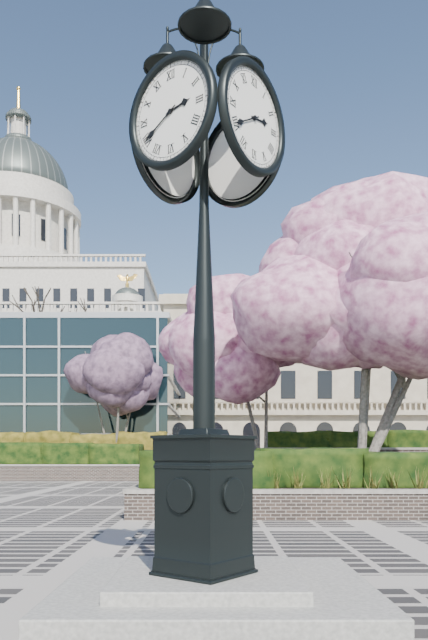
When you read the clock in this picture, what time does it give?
2:40
